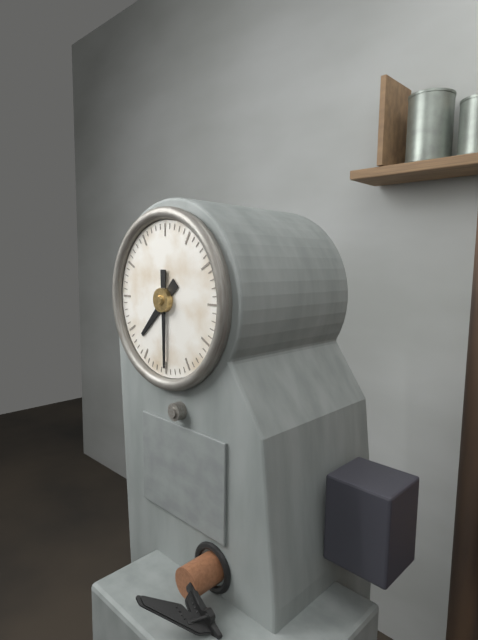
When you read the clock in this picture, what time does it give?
7:30
